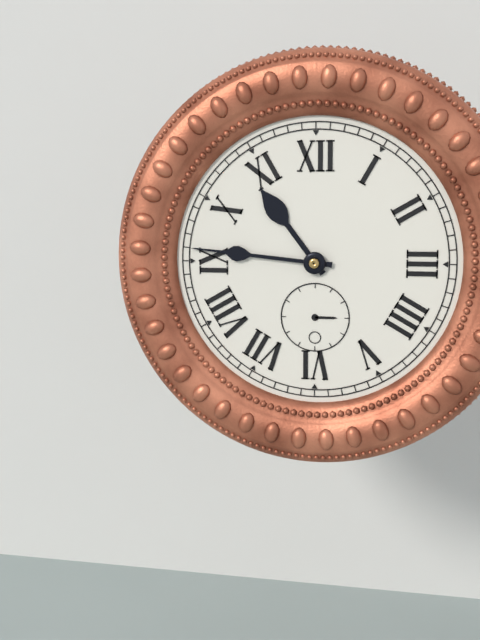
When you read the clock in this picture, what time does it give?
10:46
